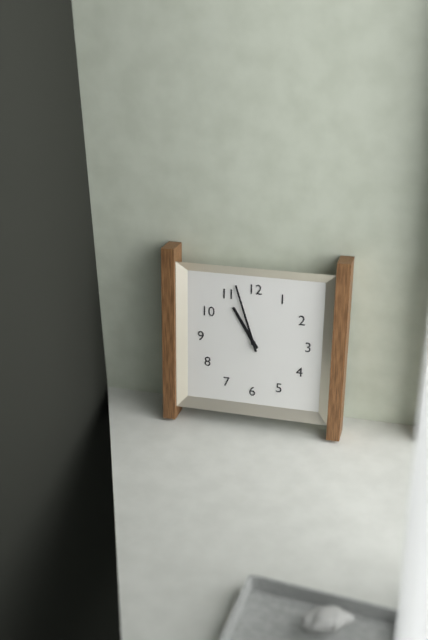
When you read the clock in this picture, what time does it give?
10:57
